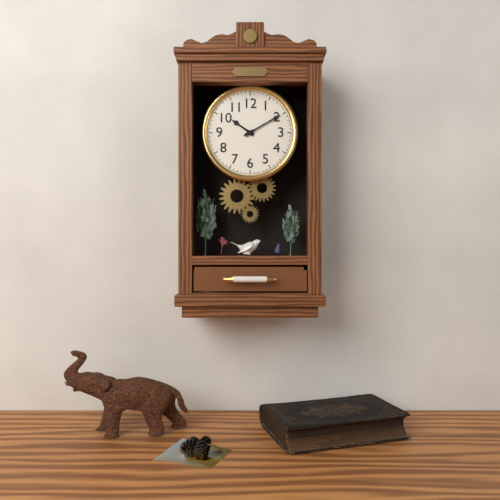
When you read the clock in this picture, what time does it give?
10:10
